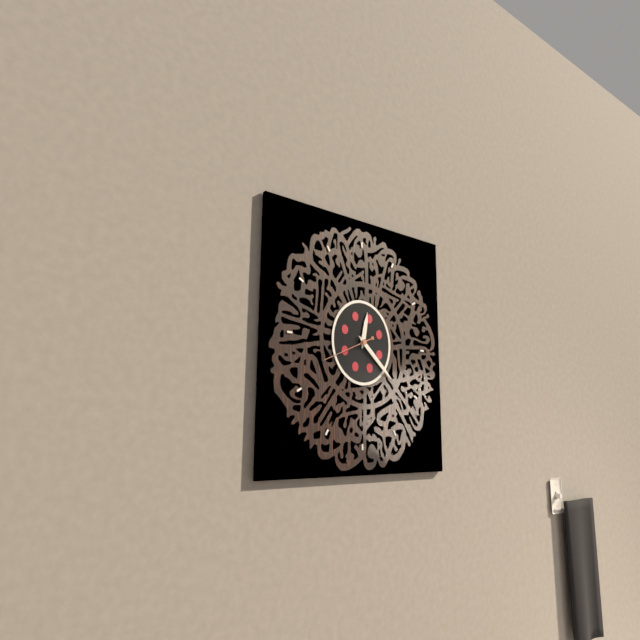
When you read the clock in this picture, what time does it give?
12:22:41
